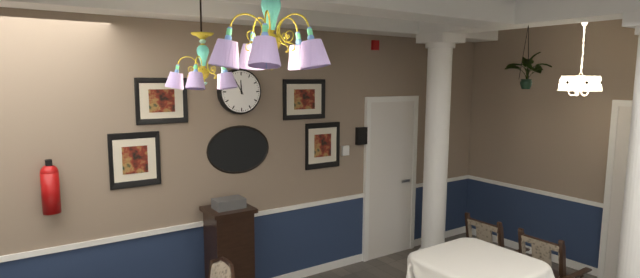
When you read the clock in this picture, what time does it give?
11:55
